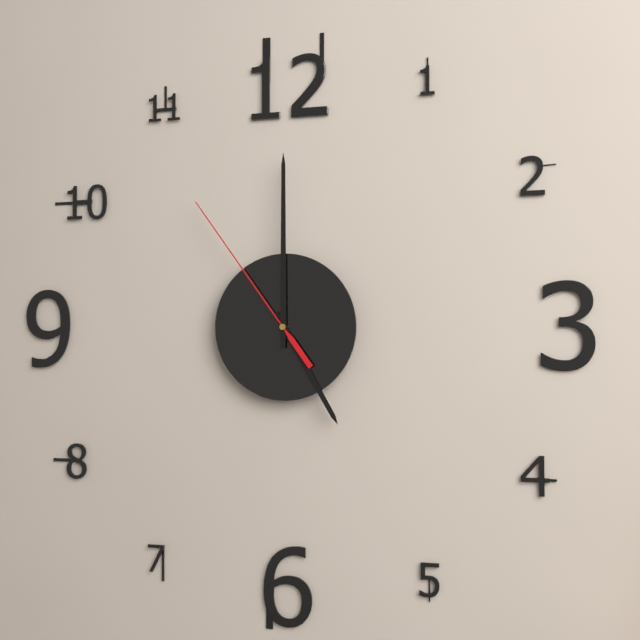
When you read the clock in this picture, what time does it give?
5:00:54
